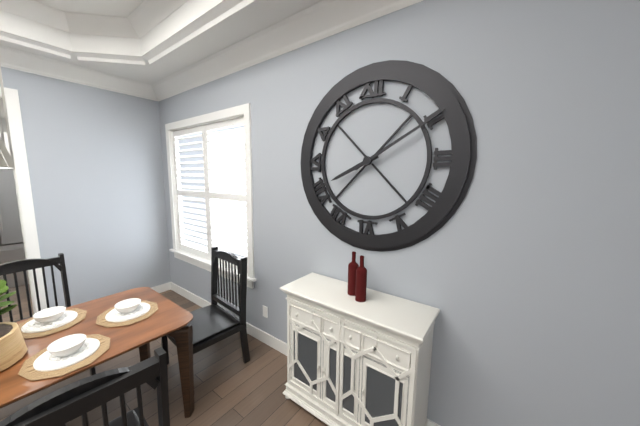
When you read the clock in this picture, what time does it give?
8:10
